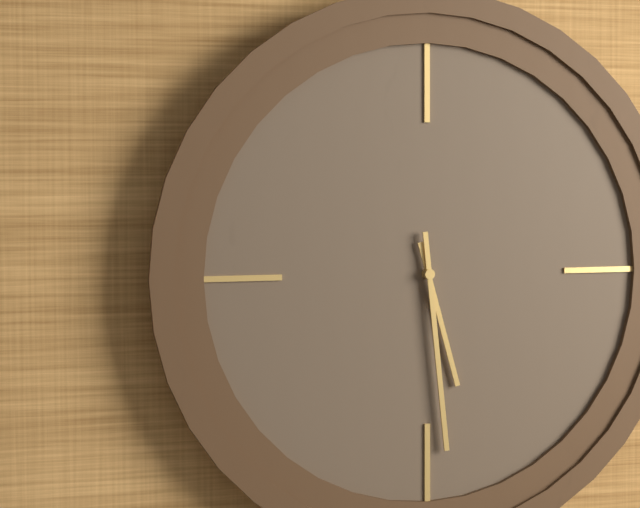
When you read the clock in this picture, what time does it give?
5:29
